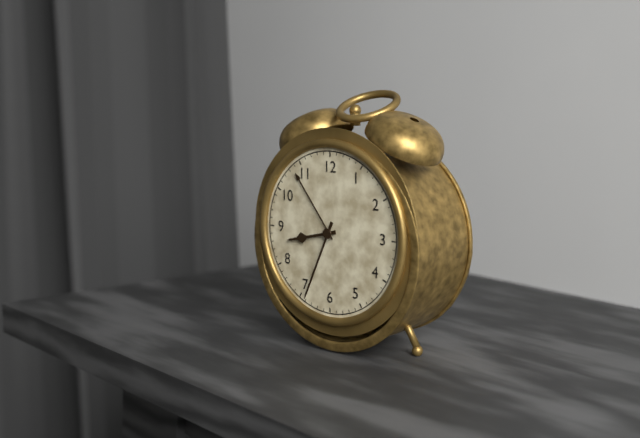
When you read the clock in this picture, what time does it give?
8:34
